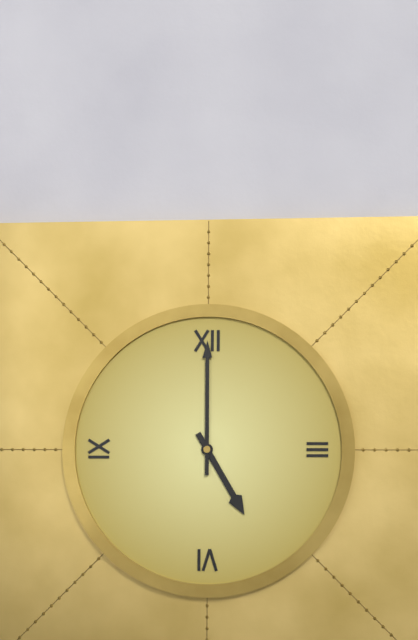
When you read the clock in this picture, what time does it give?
5:00
